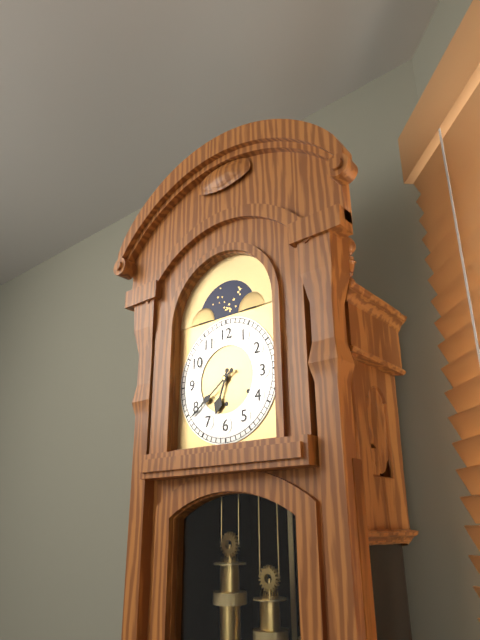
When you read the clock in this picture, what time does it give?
6:39
